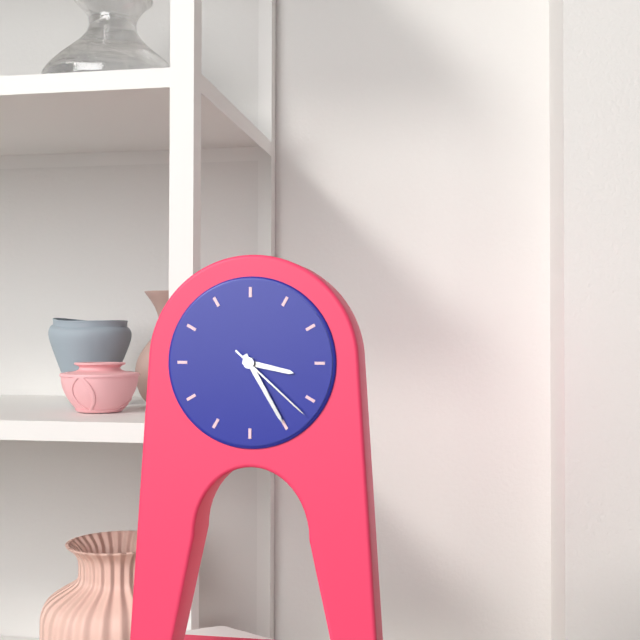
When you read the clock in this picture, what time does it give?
3:25:22
